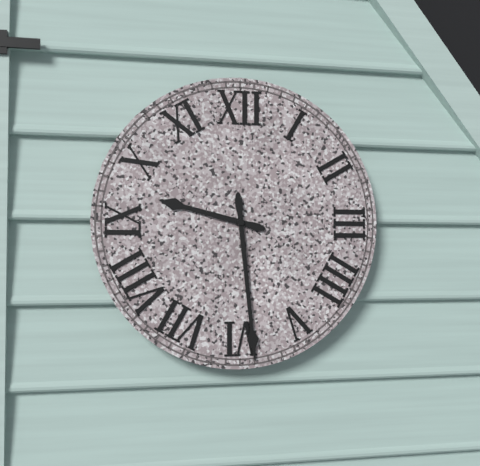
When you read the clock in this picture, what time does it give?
9:29
